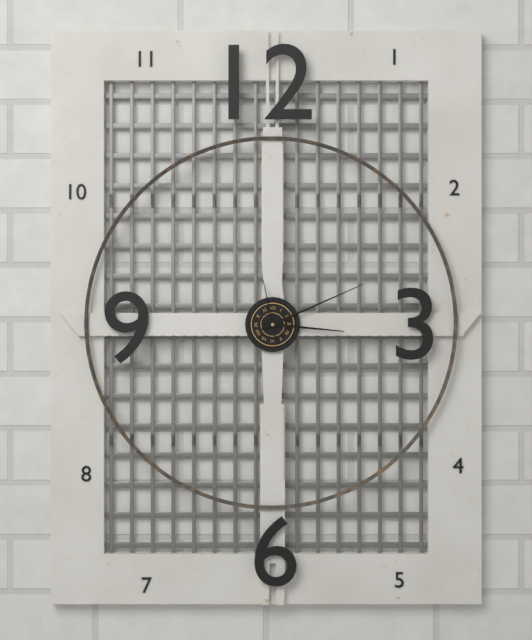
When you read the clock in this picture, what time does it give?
3:11:58
